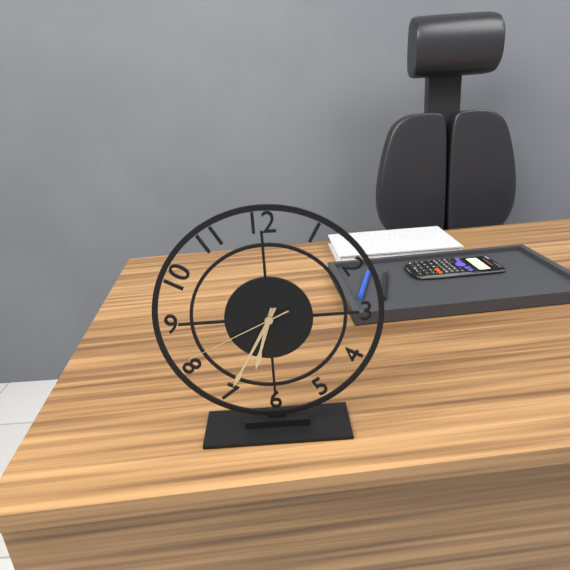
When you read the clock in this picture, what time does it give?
6:35:41
